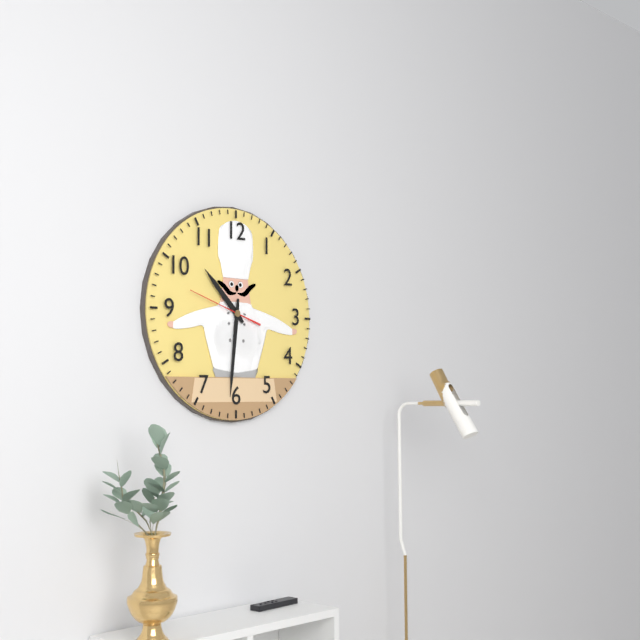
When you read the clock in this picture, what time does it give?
10:31:48
